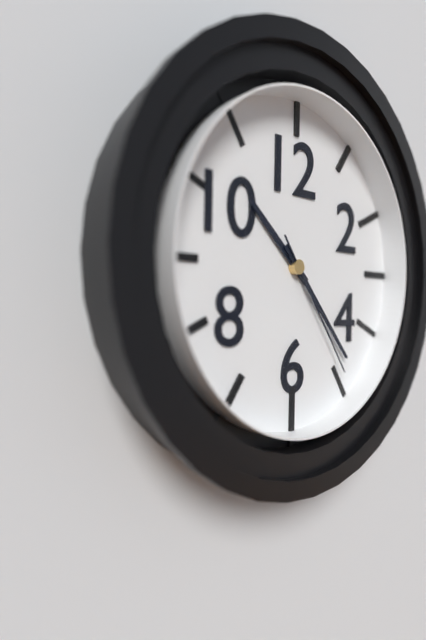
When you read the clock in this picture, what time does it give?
10:23:24
